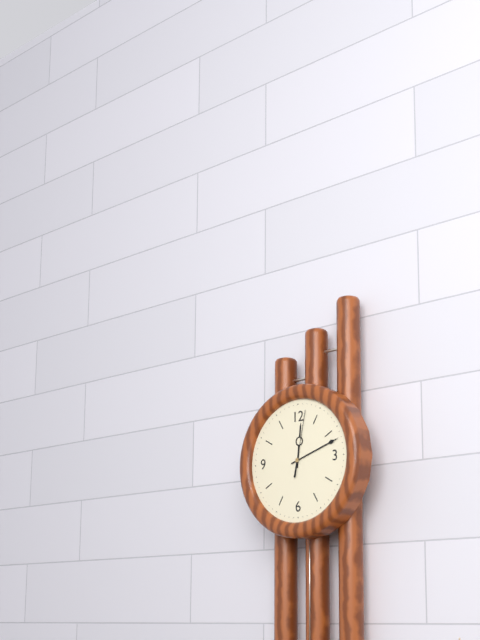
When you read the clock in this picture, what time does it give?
12:12:02
